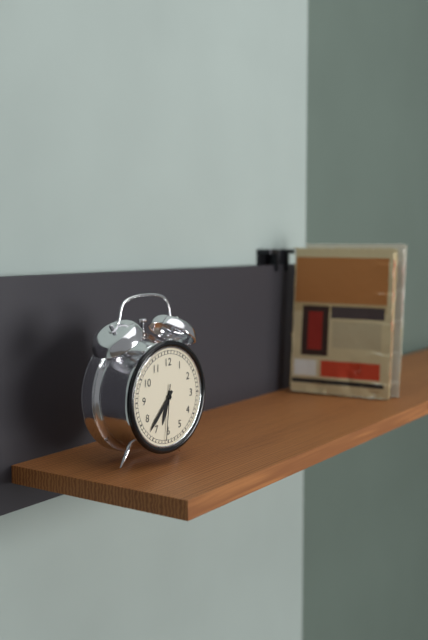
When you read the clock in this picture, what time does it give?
6:37:31
